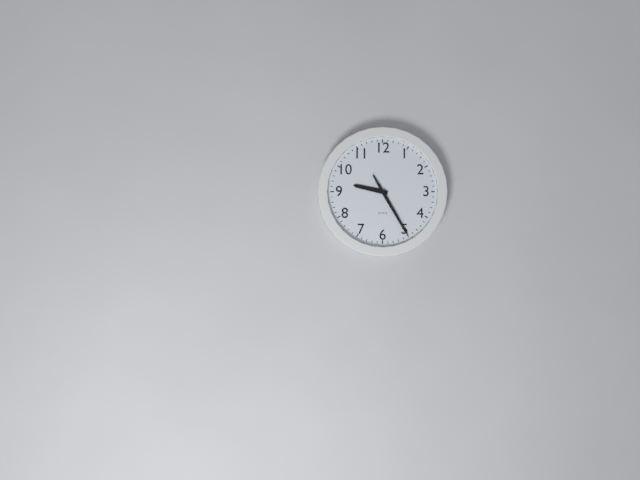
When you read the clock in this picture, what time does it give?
9:25
